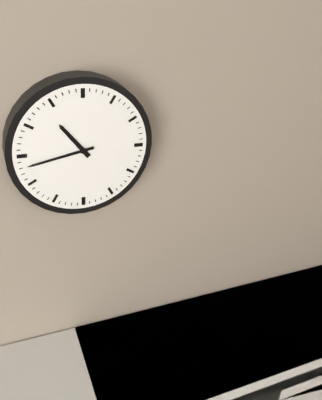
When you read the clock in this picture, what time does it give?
10:43
